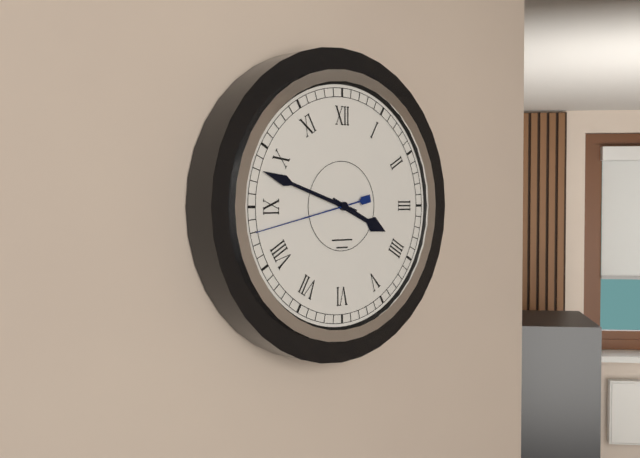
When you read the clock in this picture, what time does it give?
3:48:43
